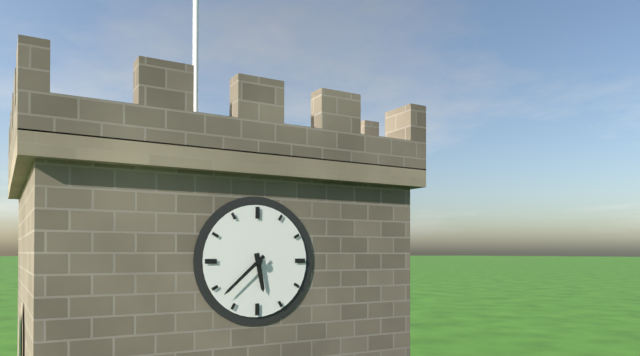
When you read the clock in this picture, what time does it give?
5:38
